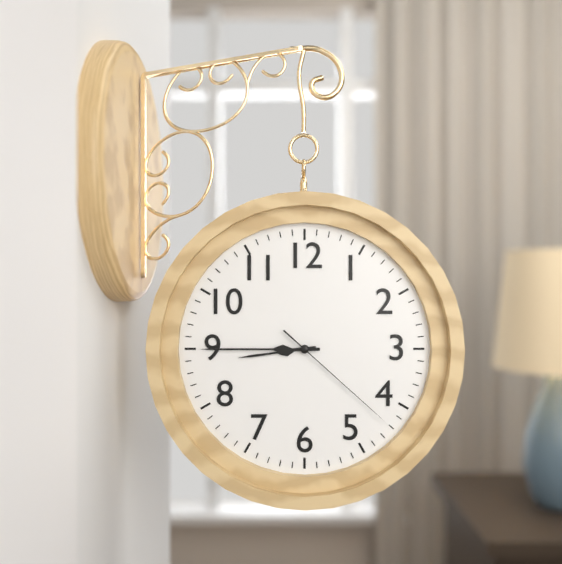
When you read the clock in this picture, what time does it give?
8:45:22
